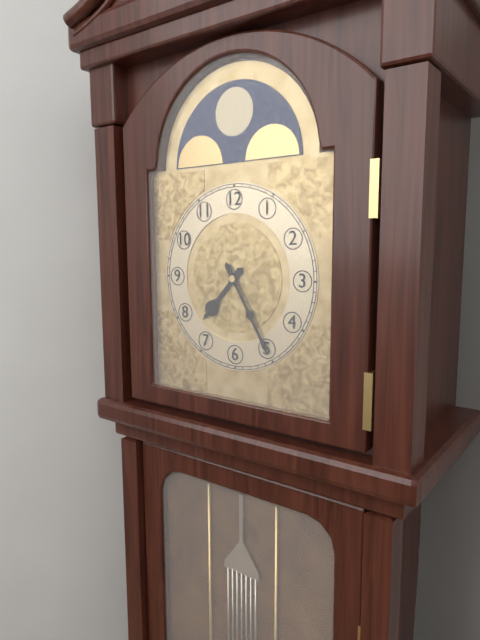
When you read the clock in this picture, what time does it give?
7:25
